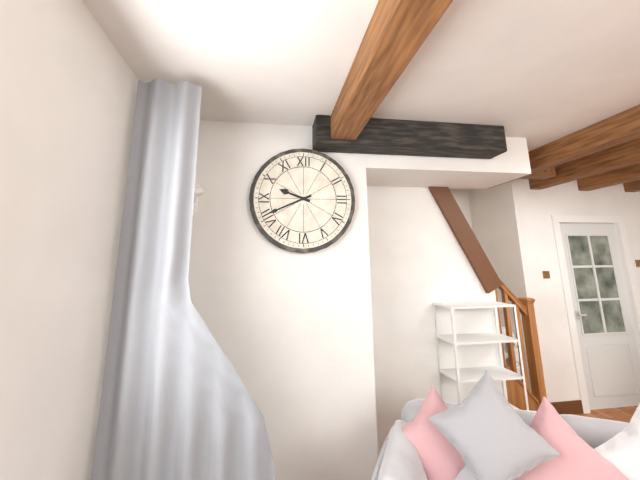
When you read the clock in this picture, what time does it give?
9:41
